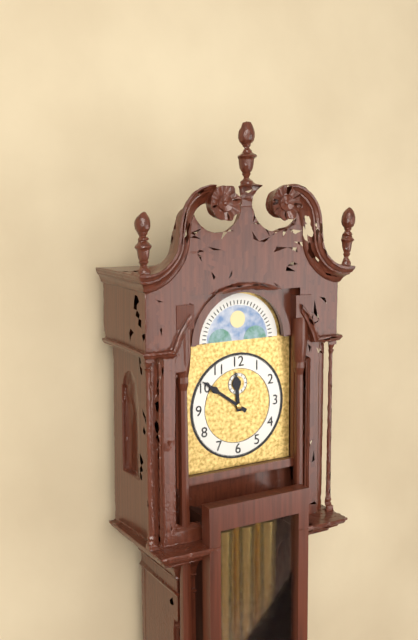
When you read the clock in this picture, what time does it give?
11:51
